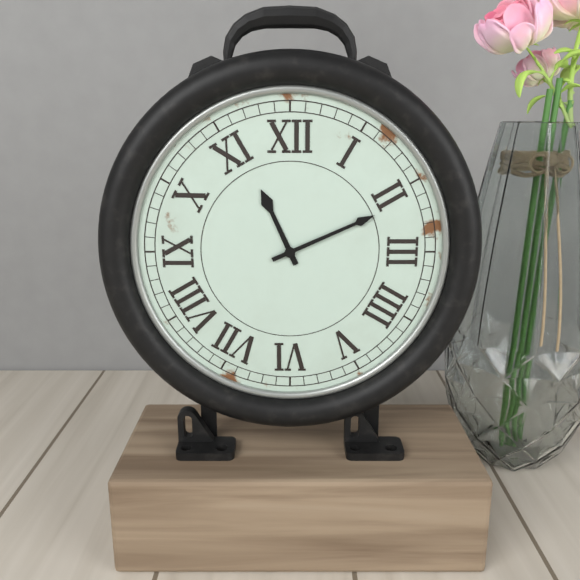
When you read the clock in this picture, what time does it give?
11:11
